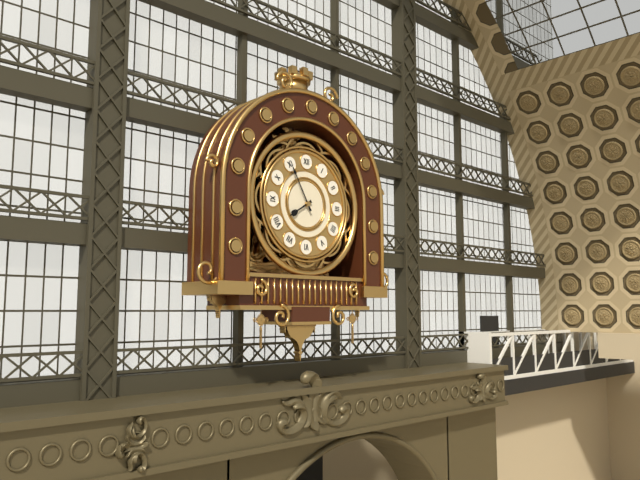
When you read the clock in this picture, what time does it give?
7:55
